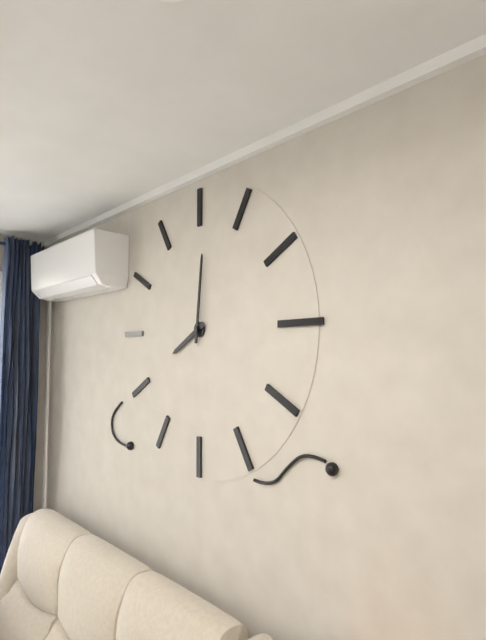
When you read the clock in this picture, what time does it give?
8:01
